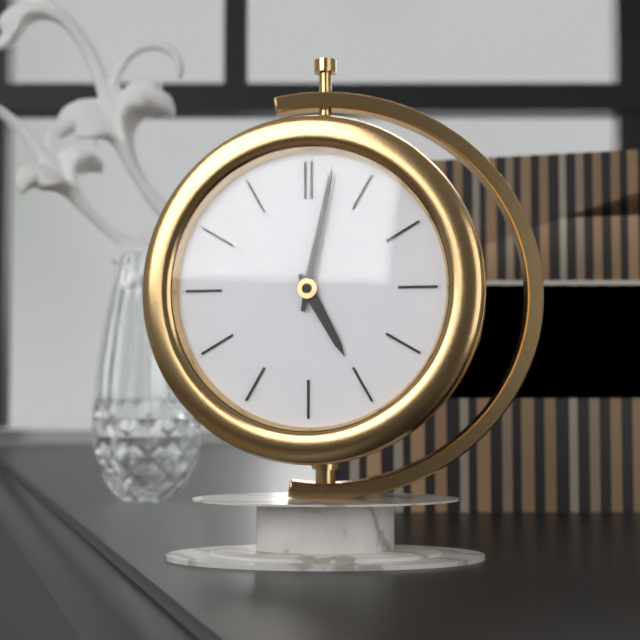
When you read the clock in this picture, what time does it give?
5:02
